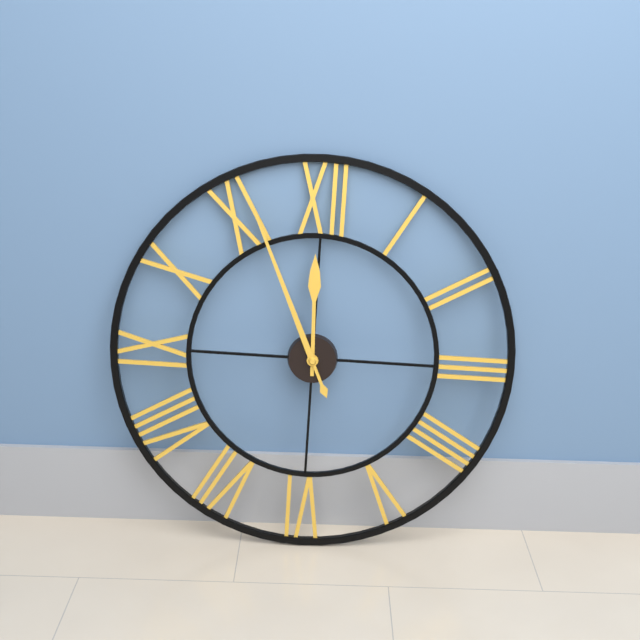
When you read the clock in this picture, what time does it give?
11:56
